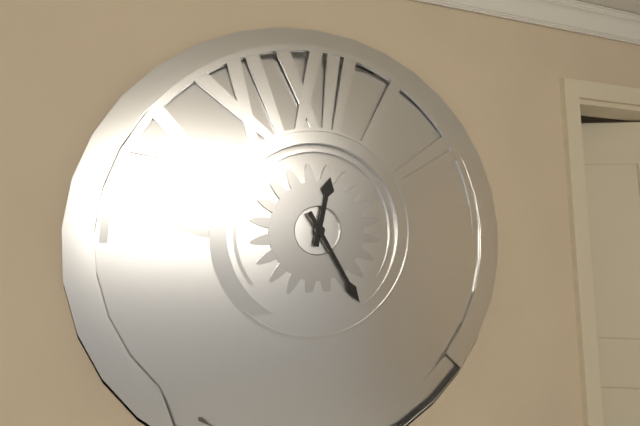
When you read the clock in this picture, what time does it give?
12:25
